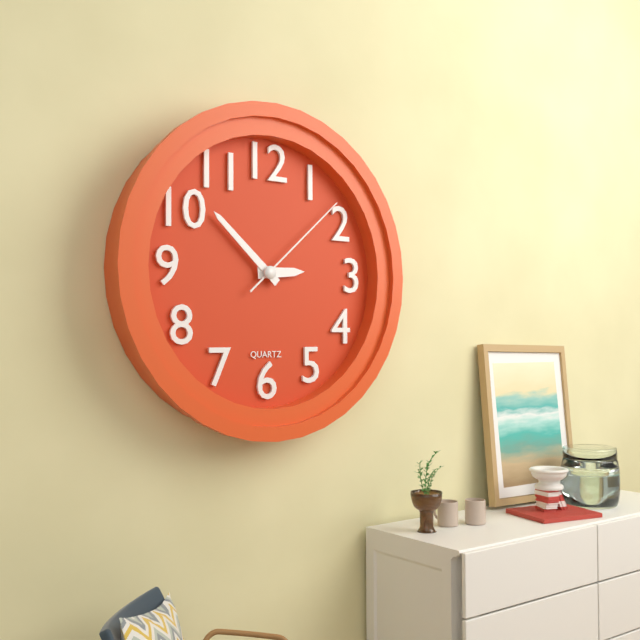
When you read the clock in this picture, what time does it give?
2:52:08
